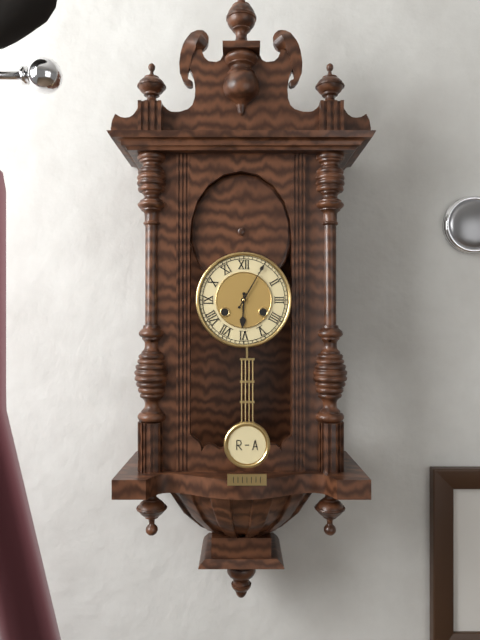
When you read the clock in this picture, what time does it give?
6:05
